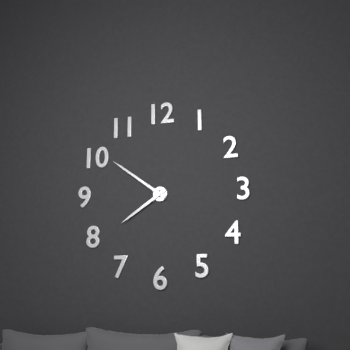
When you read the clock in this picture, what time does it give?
7:51
